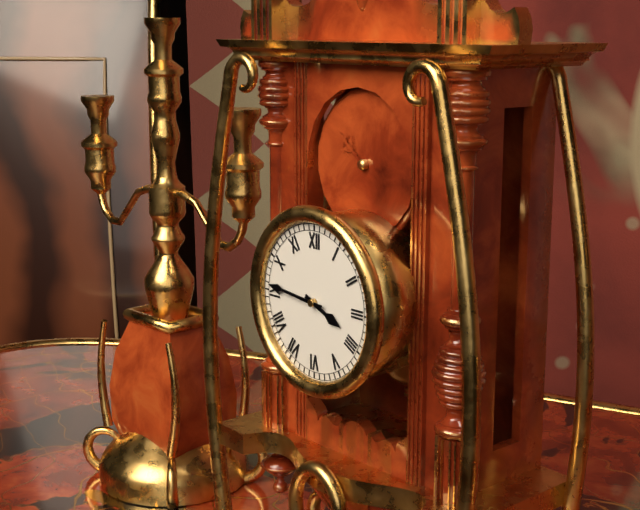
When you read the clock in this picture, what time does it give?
3:46
